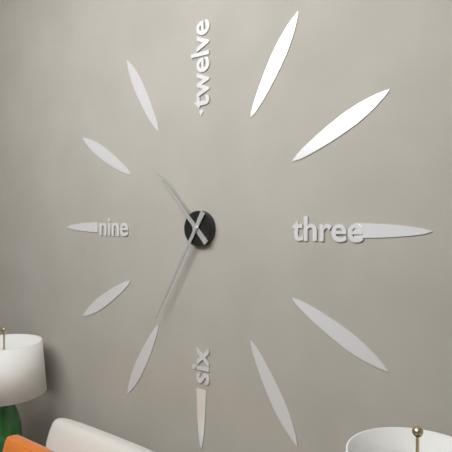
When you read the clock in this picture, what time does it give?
10:35
